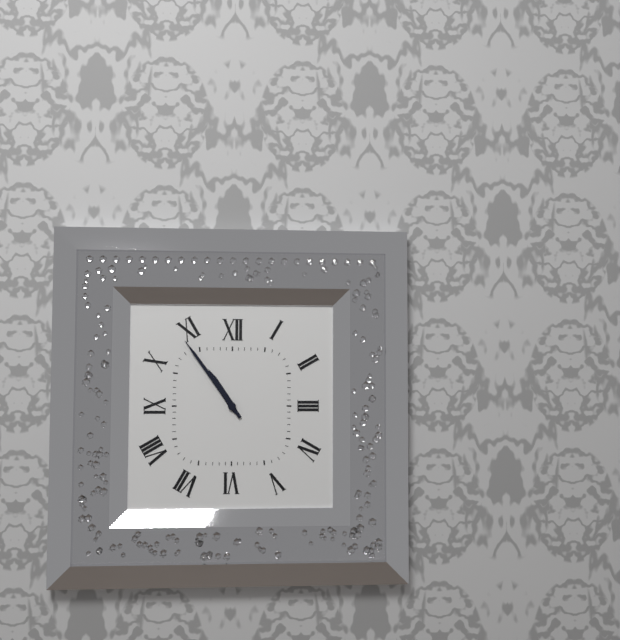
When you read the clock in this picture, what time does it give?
10:54
